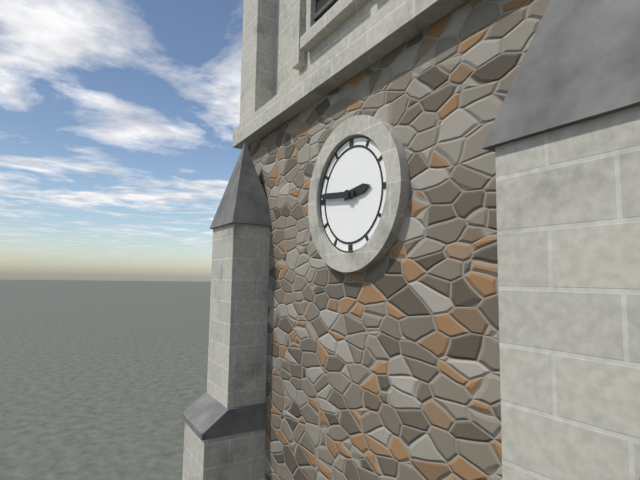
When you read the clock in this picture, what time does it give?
2:46
